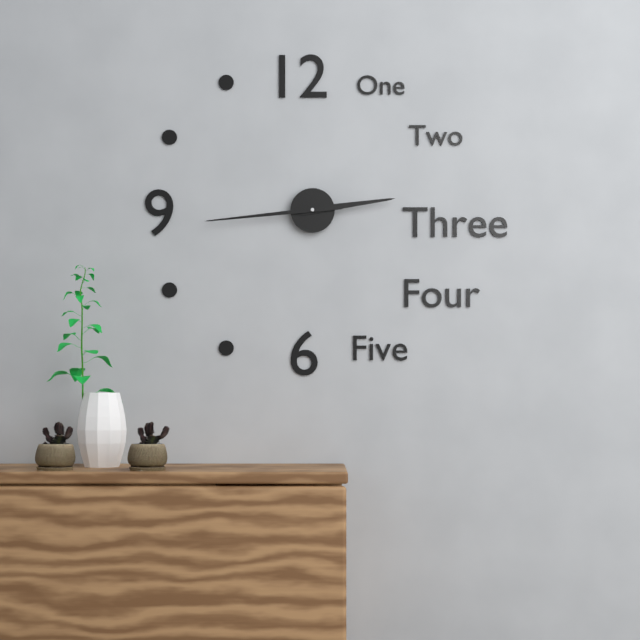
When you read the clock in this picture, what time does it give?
2:44
